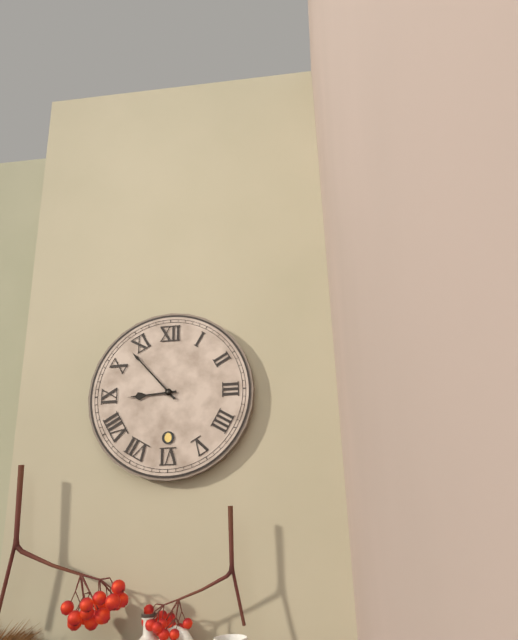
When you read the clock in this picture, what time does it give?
8:53
